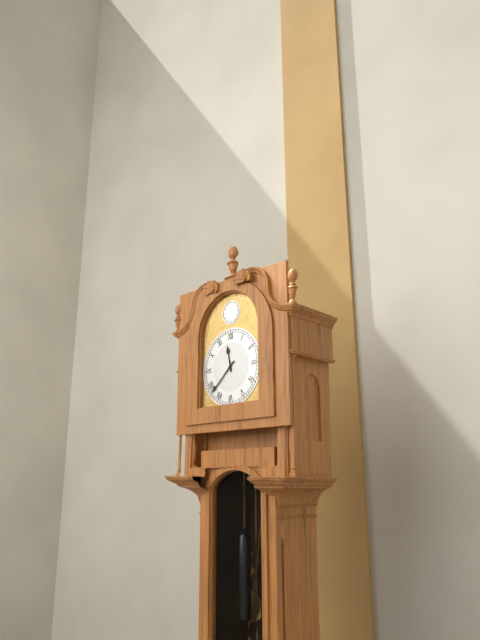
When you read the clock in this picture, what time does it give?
11:38
